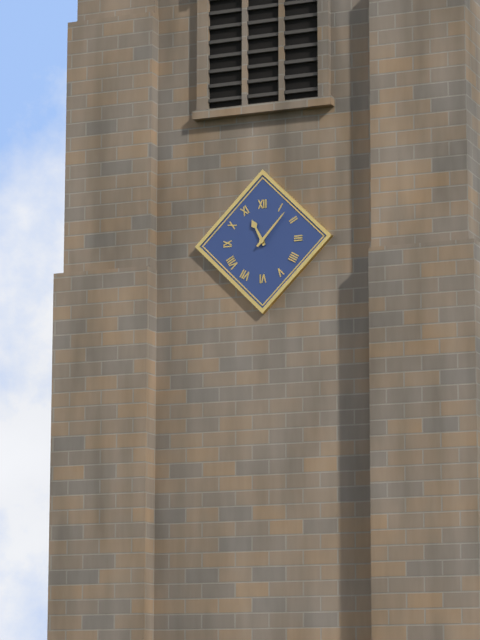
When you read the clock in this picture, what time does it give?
11:07
